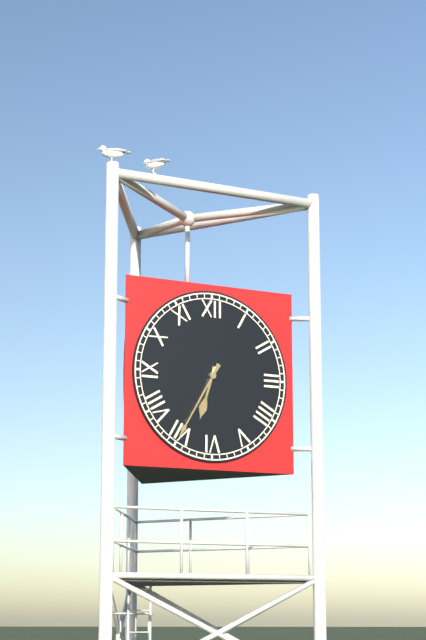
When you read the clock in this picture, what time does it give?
6:35
